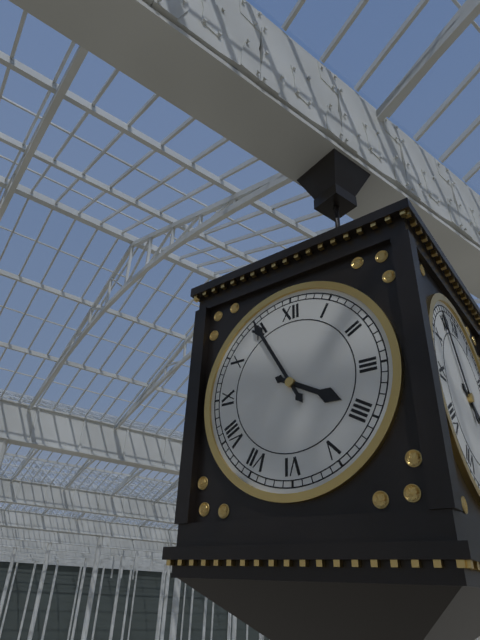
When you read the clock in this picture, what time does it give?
3:55
